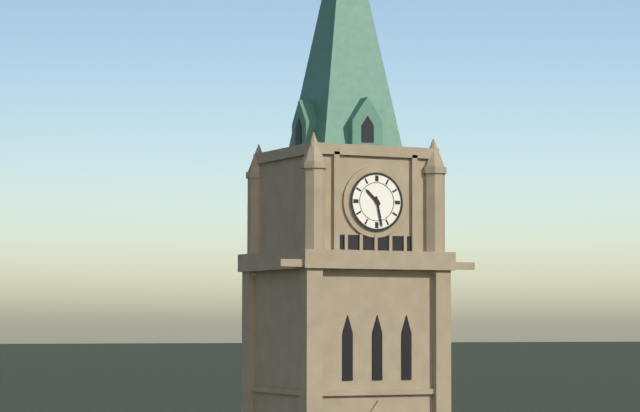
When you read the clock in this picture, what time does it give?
10:28
